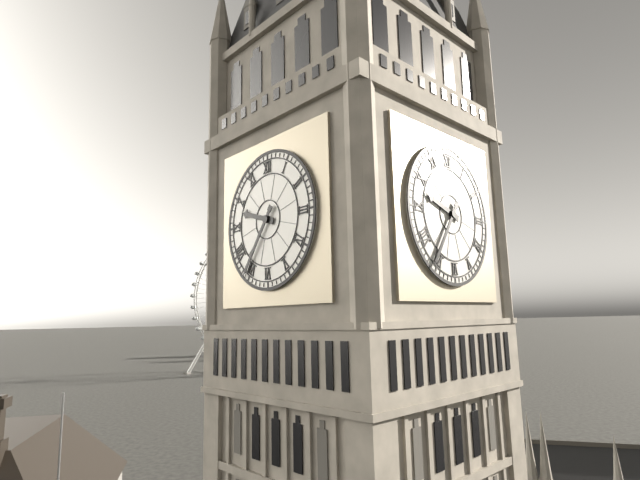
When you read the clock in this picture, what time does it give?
9:36
